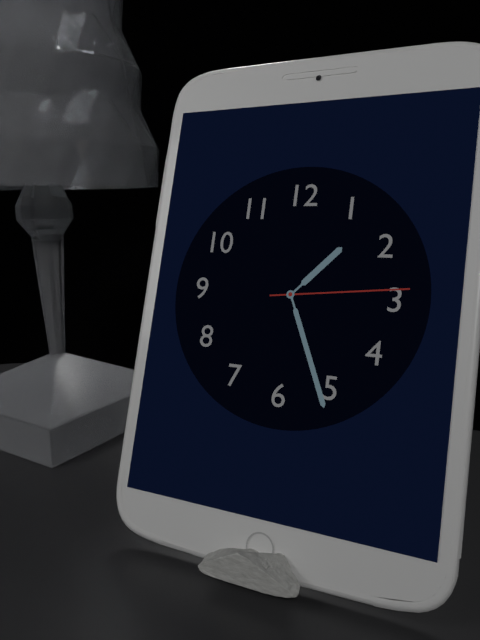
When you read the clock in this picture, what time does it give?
1:26:14
